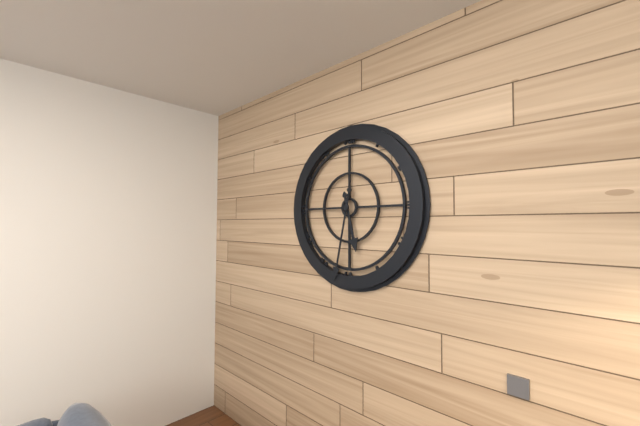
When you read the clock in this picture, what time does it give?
5:32
